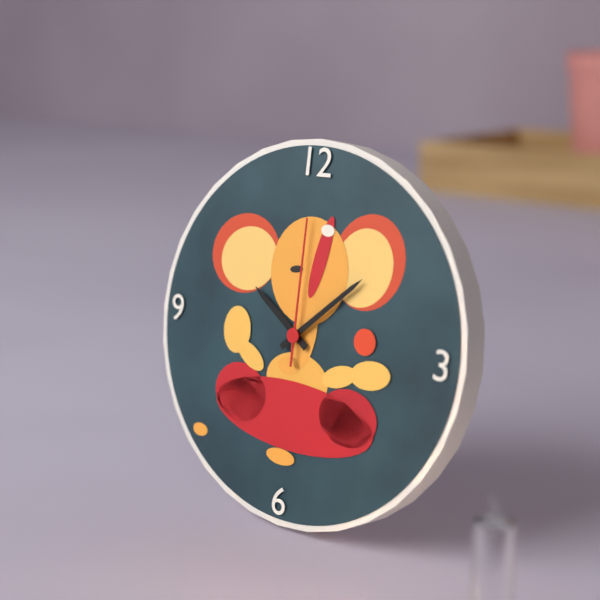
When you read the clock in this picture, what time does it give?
10:08:00
